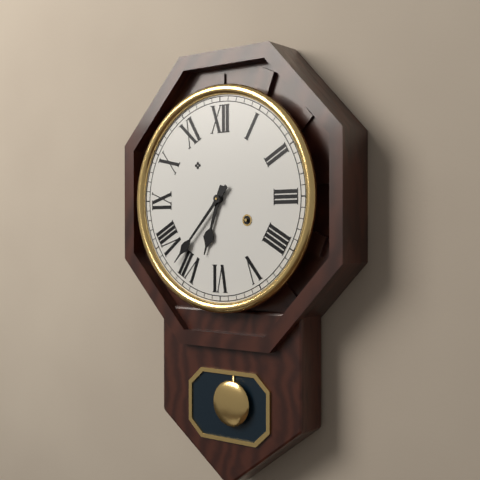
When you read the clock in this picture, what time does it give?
6:37
